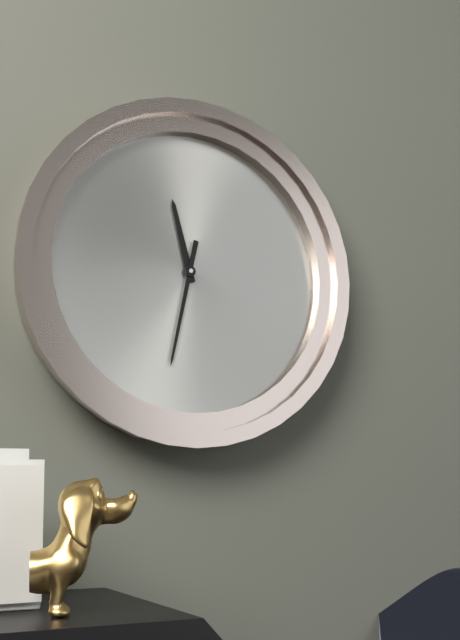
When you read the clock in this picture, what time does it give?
11:32
